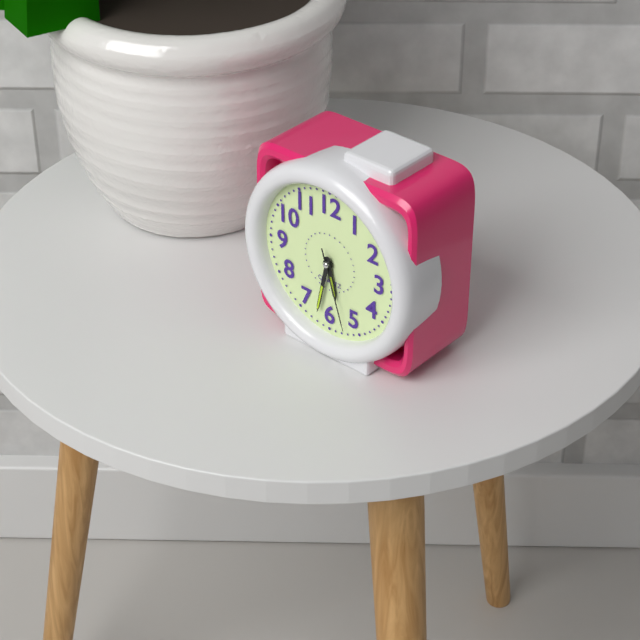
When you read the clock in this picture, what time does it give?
5:32:27
